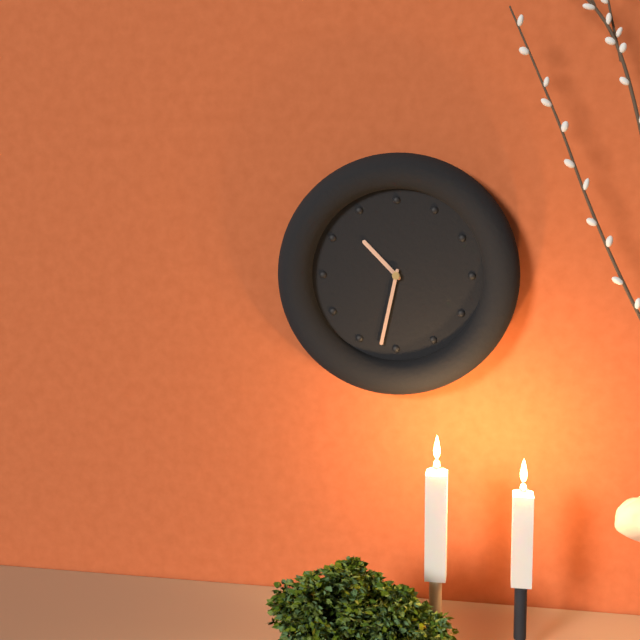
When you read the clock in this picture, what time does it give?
10:32
